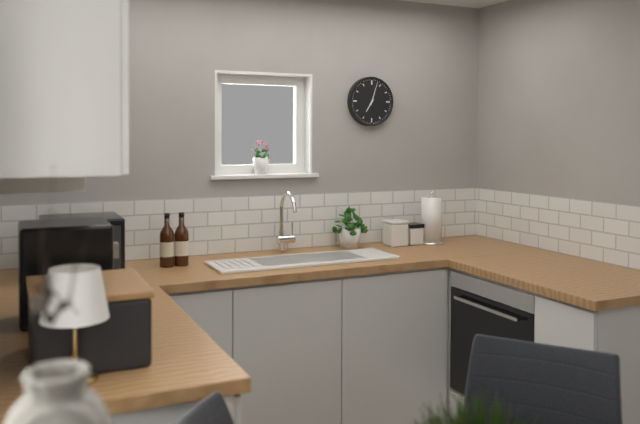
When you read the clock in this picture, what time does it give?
7:03
